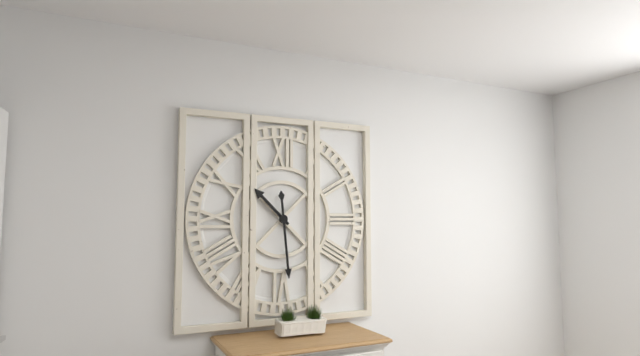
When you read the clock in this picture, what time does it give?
10:29
